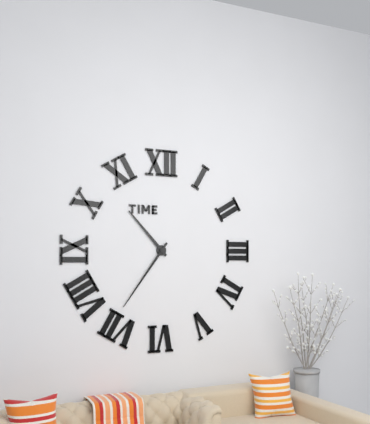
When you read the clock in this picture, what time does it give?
10:36
